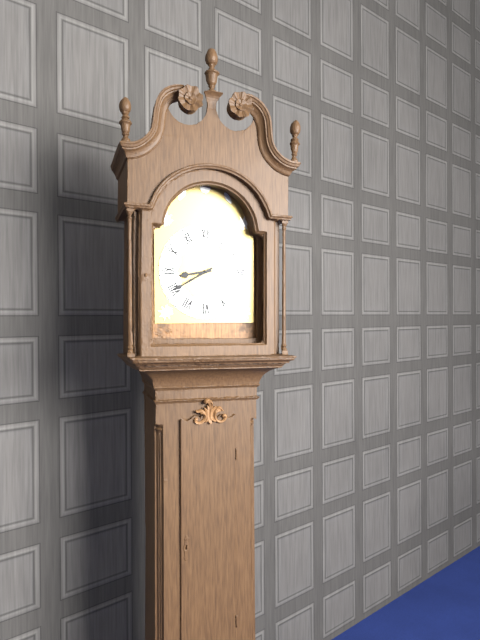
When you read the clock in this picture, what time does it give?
8:40
